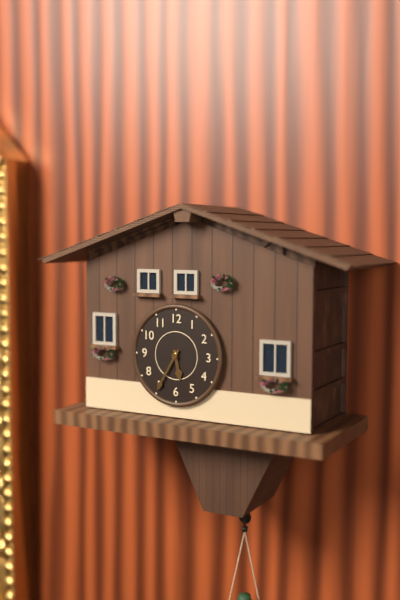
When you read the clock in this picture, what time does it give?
5:35
